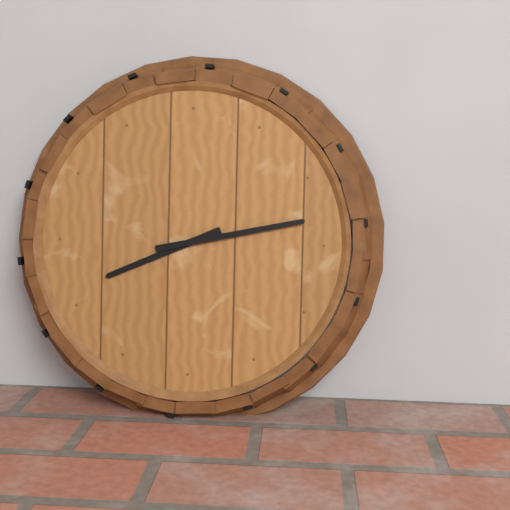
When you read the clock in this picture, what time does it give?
8:13
